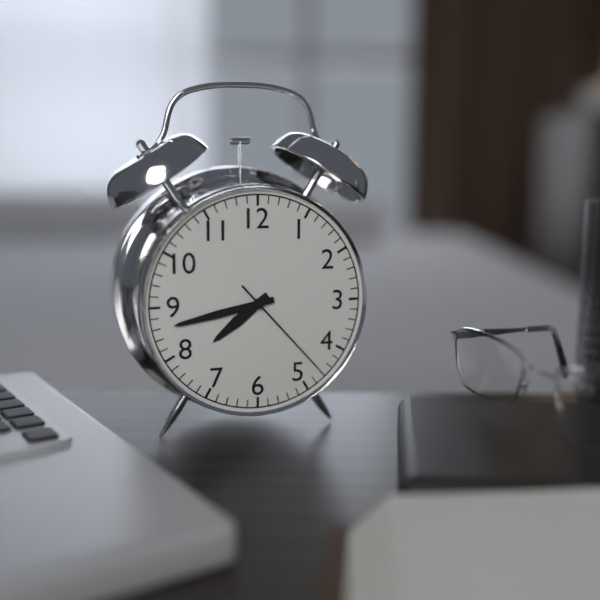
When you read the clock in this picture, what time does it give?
7:43:23
